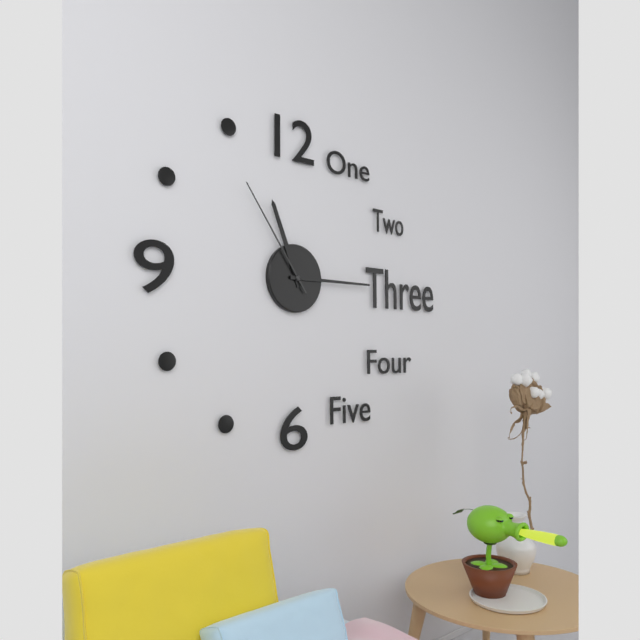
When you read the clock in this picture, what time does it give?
11:15:54
